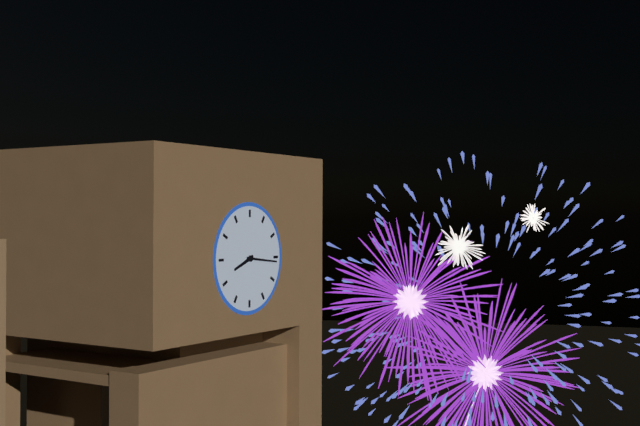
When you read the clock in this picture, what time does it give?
8:16
